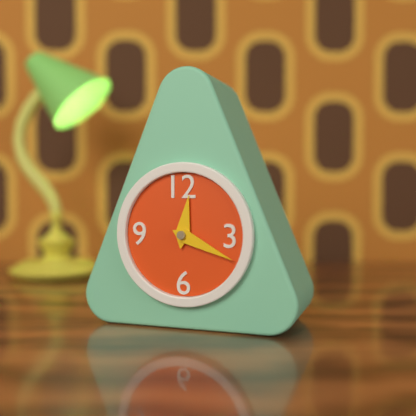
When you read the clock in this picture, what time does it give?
12:19
